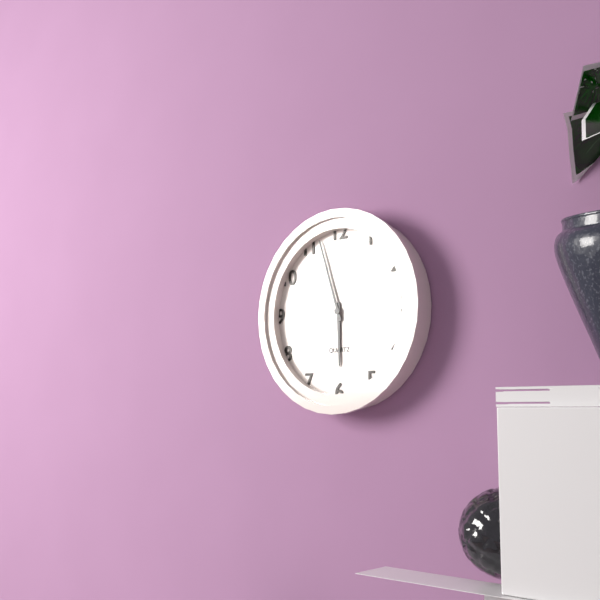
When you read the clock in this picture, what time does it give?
5:57
